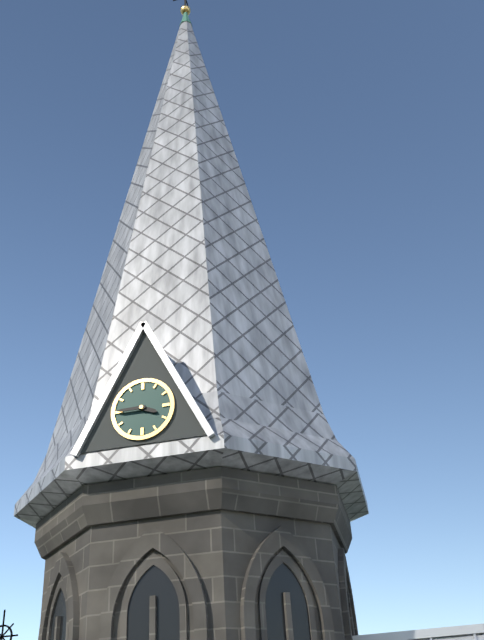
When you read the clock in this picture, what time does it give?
3:45
